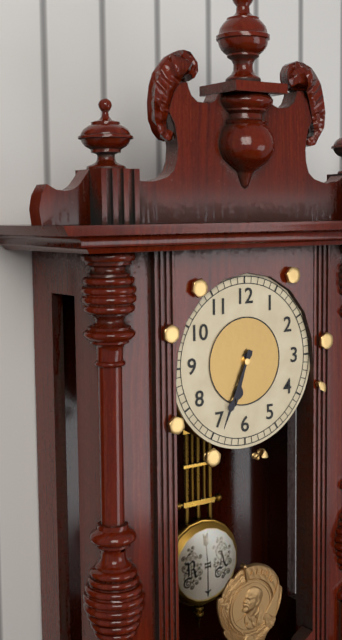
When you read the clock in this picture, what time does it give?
6:34
